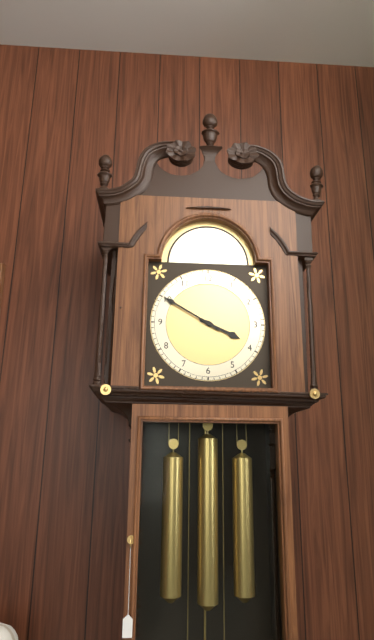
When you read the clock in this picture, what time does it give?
3:50
